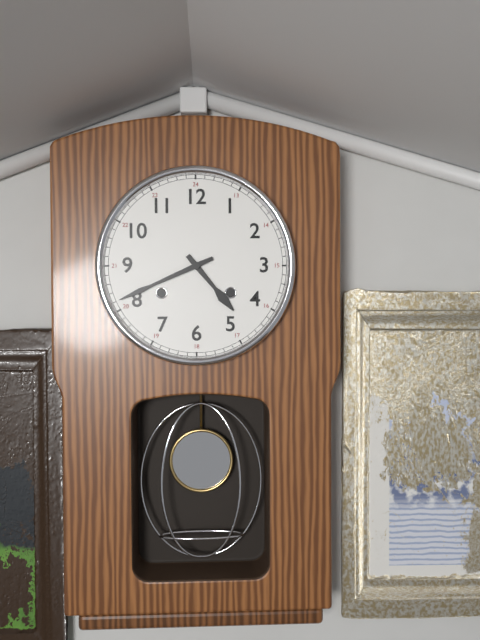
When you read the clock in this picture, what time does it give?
4:41
